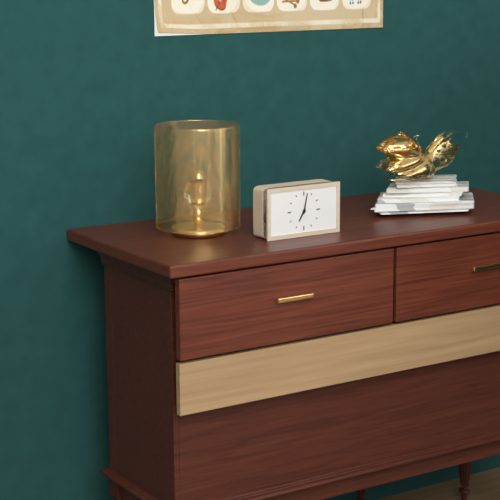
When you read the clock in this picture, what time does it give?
7:02
